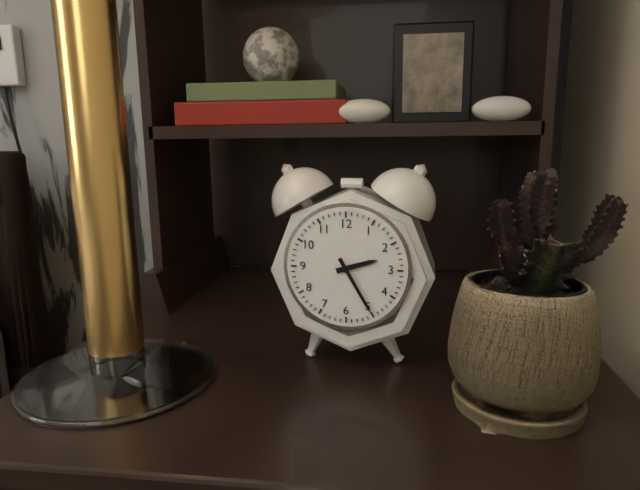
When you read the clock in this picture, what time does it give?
2:25
